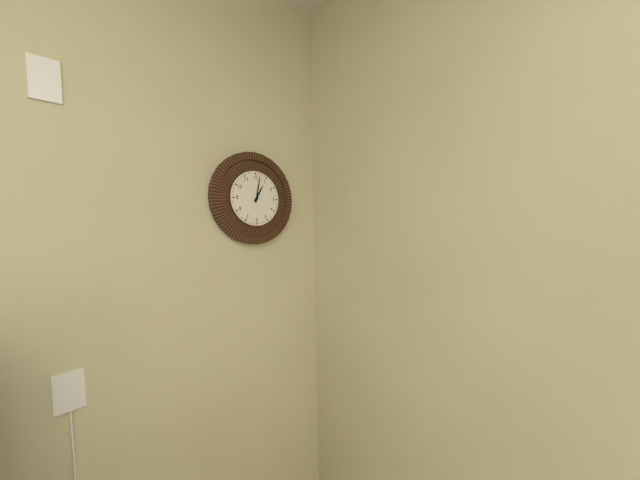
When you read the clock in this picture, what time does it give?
1:02
